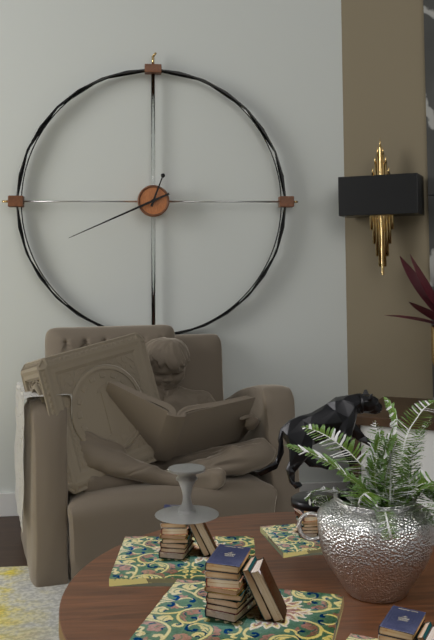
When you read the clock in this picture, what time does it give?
12:41
